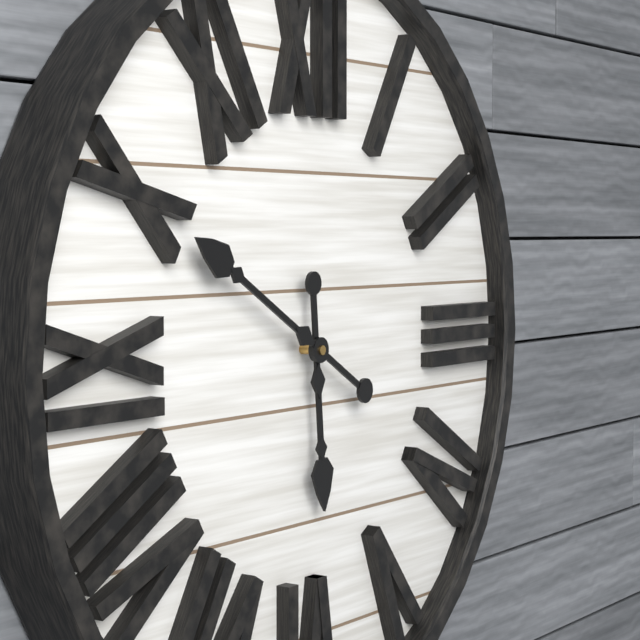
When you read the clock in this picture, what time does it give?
5:50
